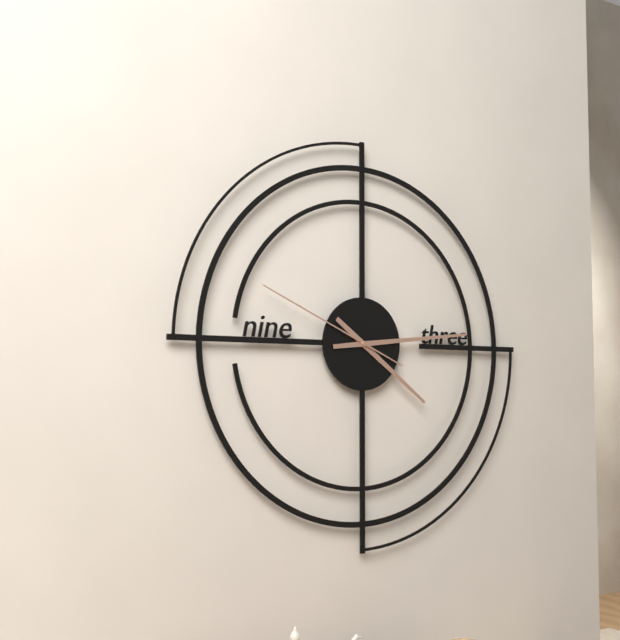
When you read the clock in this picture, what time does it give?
4:14:49
